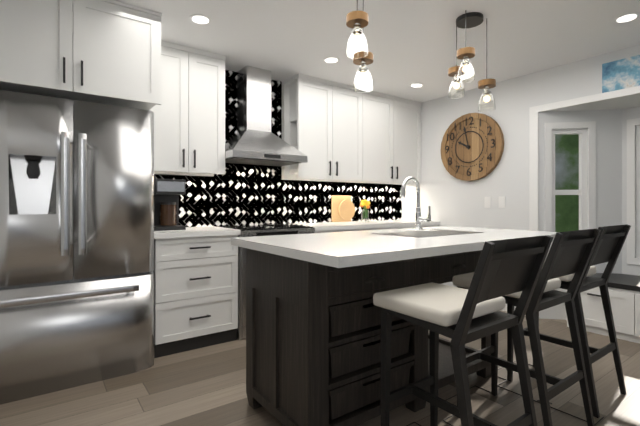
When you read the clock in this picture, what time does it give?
9:58
